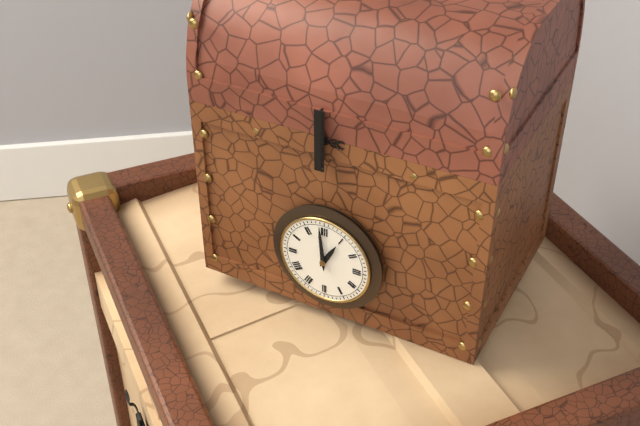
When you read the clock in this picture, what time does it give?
12:59
